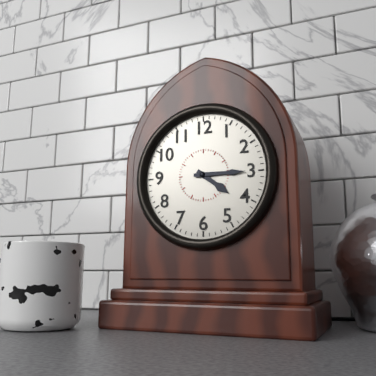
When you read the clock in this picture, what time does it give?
4:15
